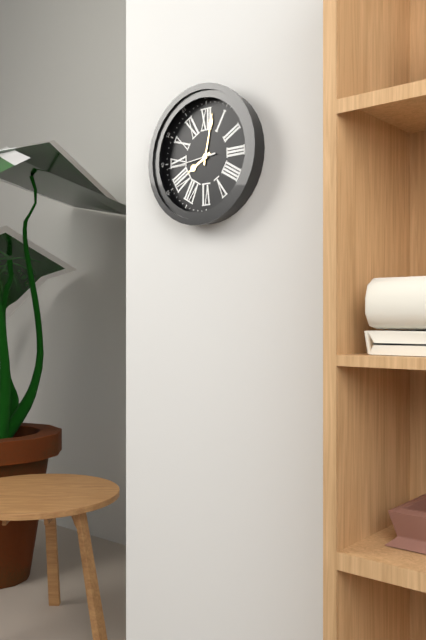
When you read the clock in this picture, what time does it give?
8:02:44
